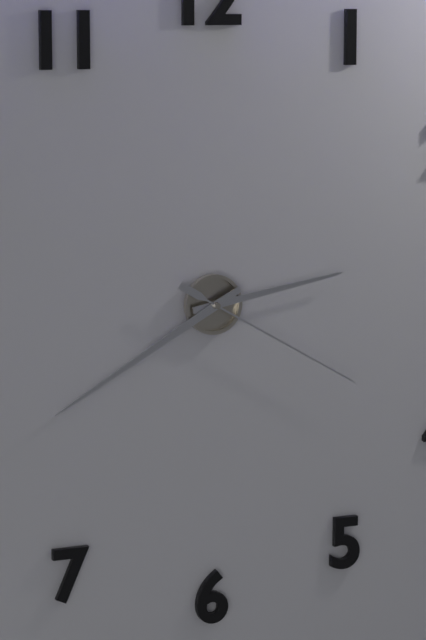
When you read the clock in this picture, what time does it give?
2:40:20
